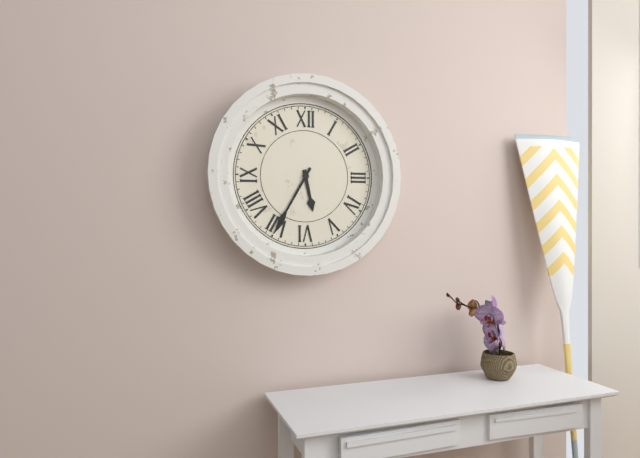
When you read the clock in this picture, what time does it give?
5:35
